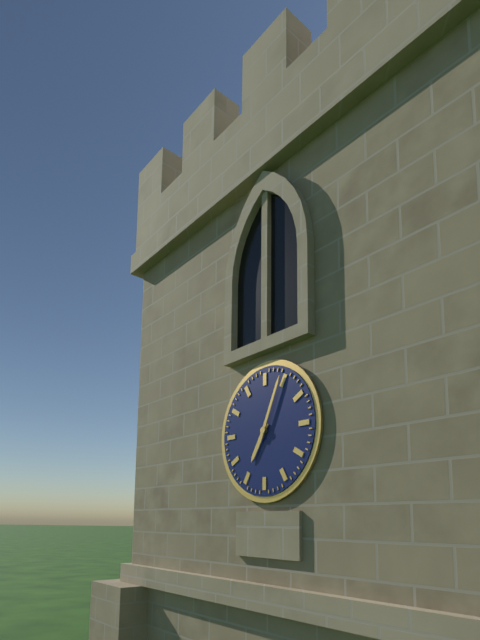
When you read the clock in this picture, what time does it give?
7:04
